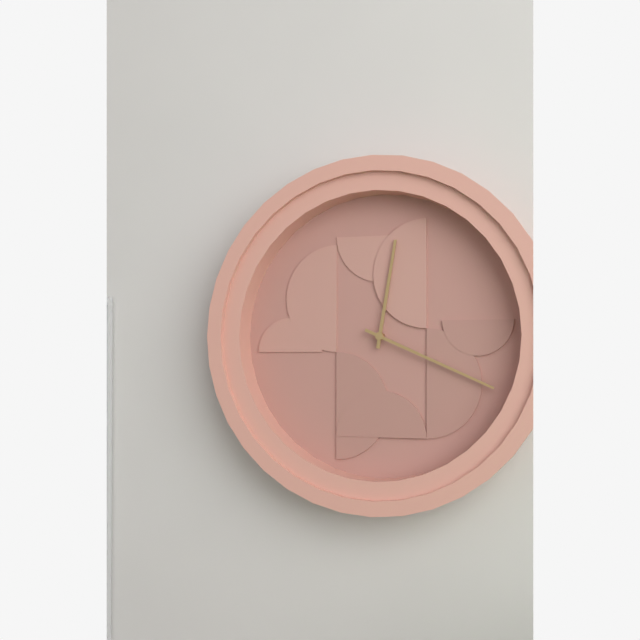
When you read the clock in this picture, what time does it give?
12:19
